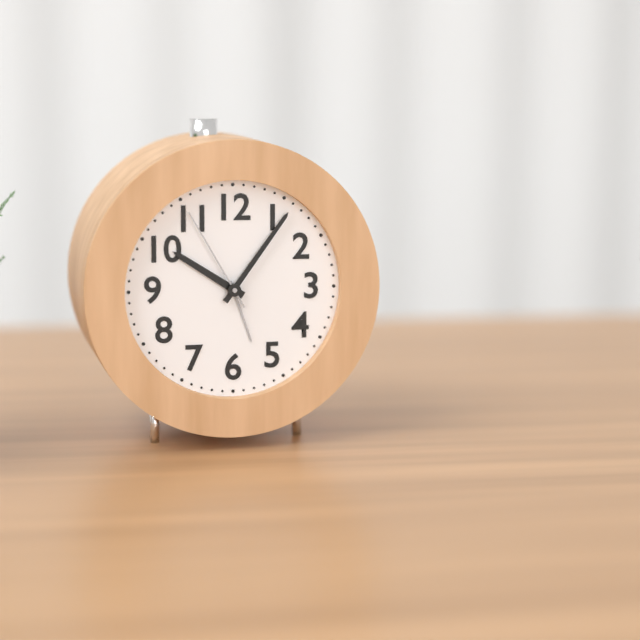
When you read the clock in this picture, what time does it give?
10:06:55
